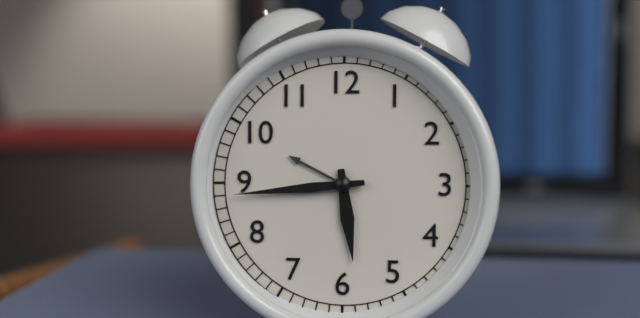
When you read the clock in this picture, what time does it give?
5:44
